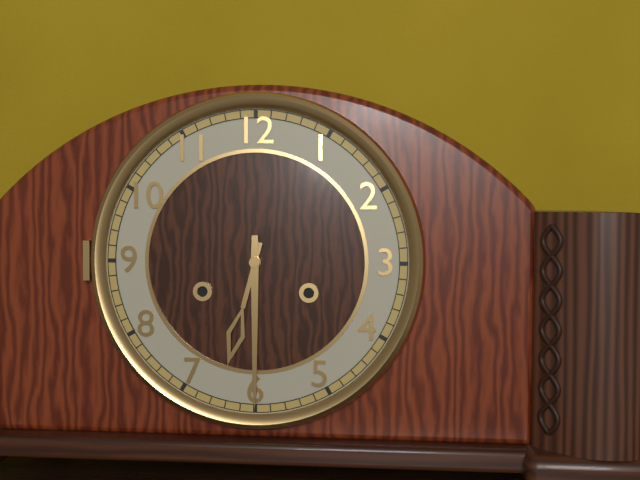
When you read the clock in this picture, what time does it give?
6:30
